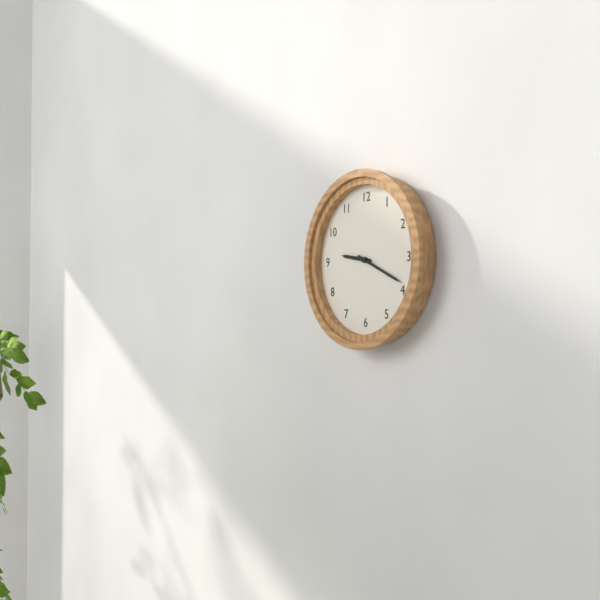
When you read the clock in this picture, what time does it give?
9:19
